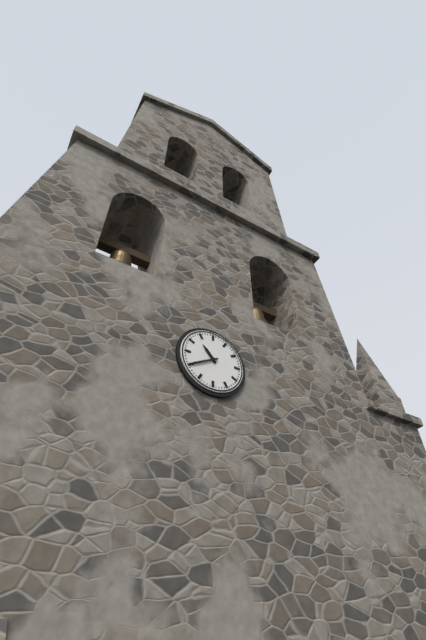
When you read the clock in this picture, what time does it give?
10:40
